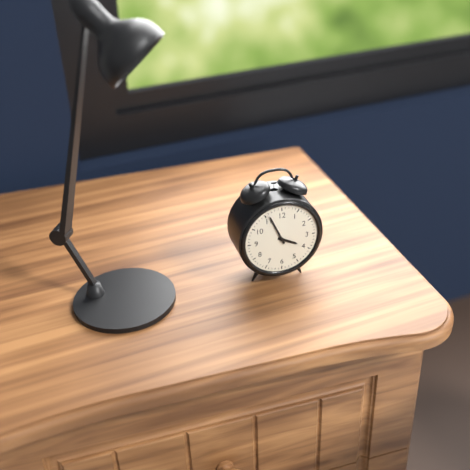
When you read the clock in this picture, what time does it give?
3:56
